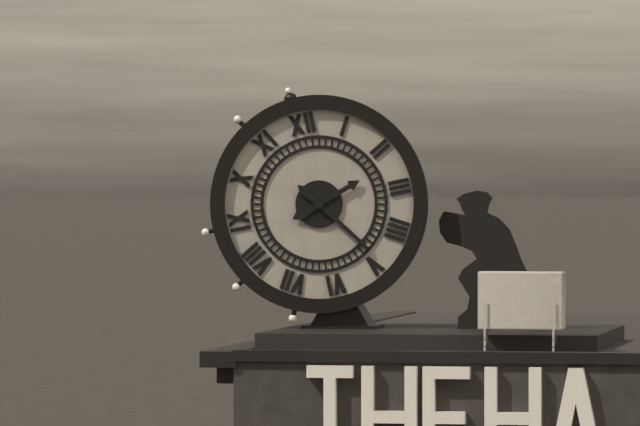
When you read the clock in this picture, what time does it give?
2:24
